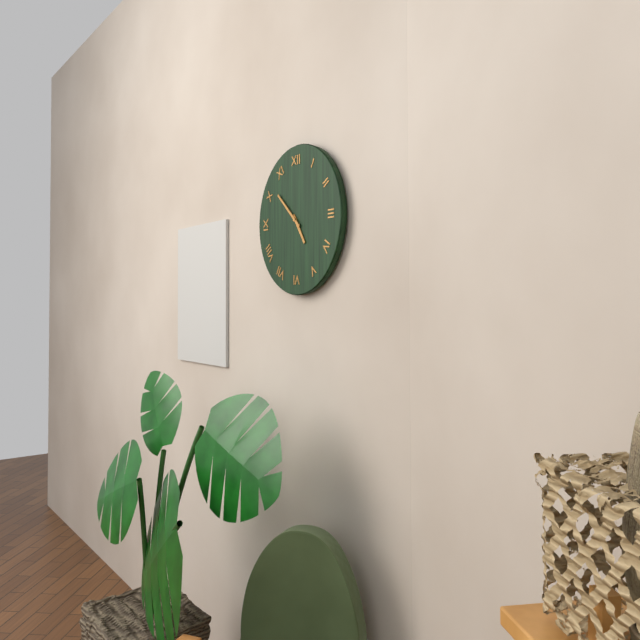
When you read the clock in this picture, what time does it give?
4:52
